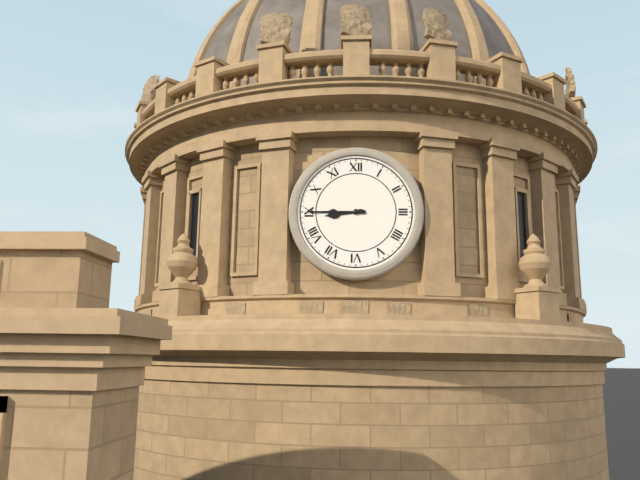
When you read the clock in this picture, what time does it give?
8:45
